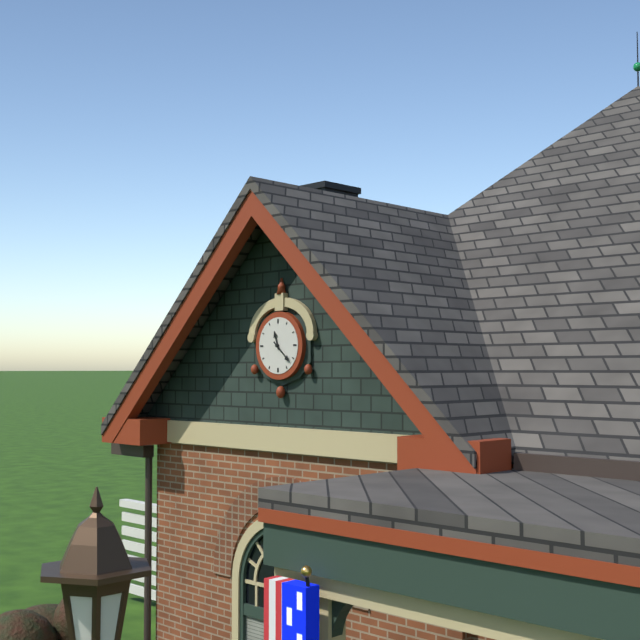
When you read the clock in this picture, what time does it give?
11:22
